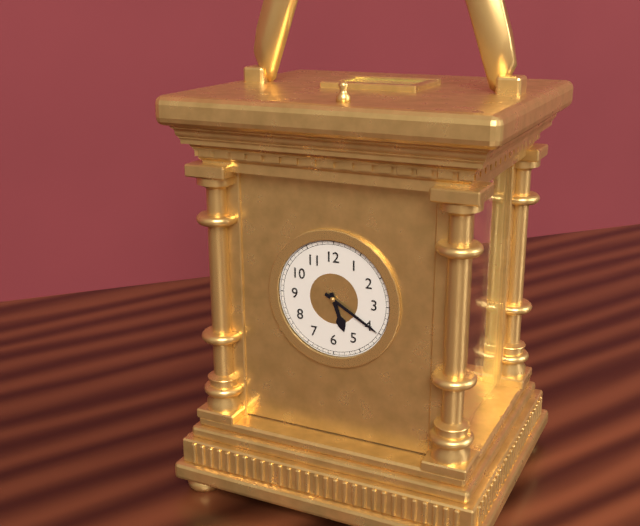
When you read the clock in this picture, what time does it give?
5:20
